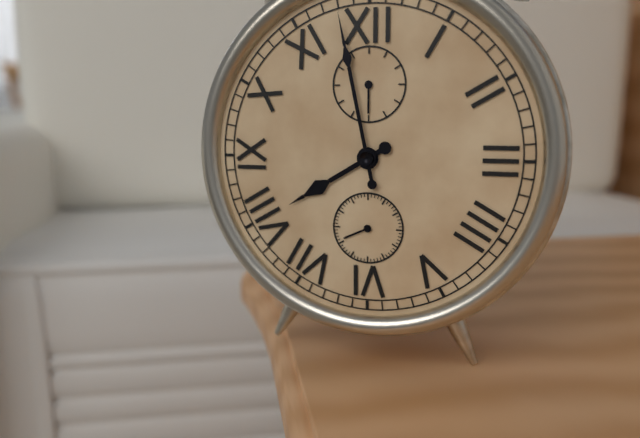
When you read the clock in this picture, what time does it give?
7:58
